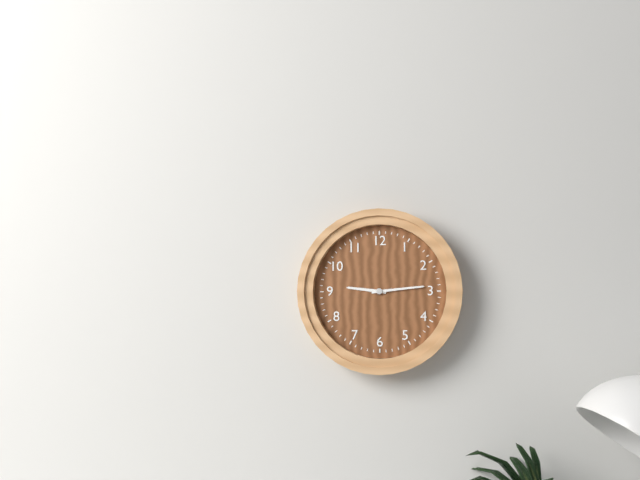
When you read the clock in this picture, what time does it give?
9:14
